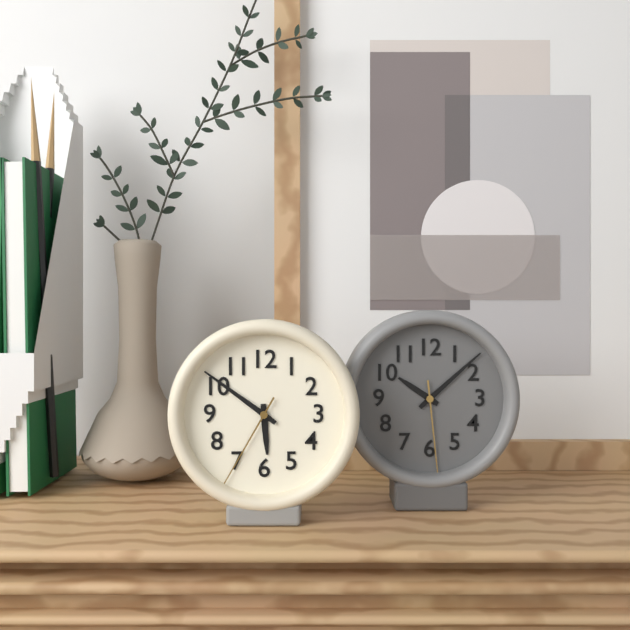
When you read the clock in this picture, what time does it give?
5:51:35
